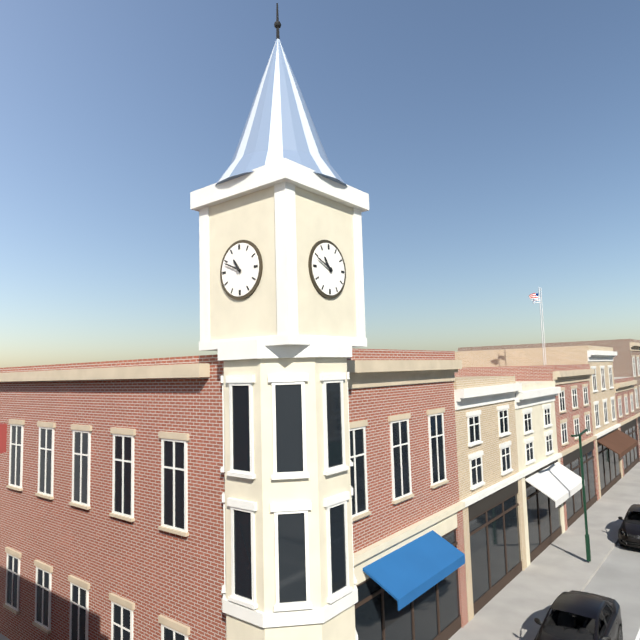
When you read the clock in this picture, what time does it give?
10:49
